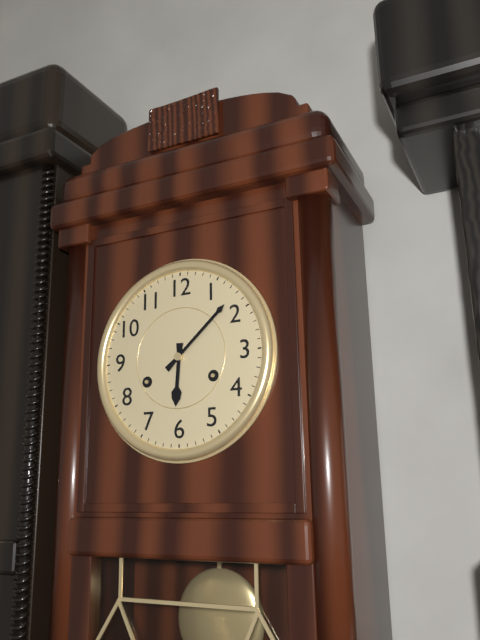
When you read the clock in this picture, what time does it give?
6:08
